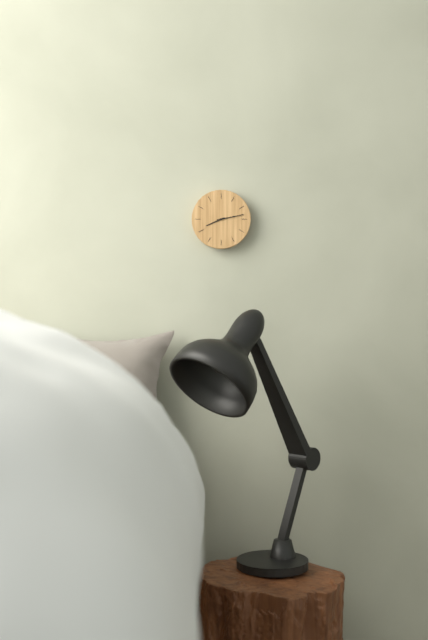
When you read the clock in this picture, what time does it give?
8:13
